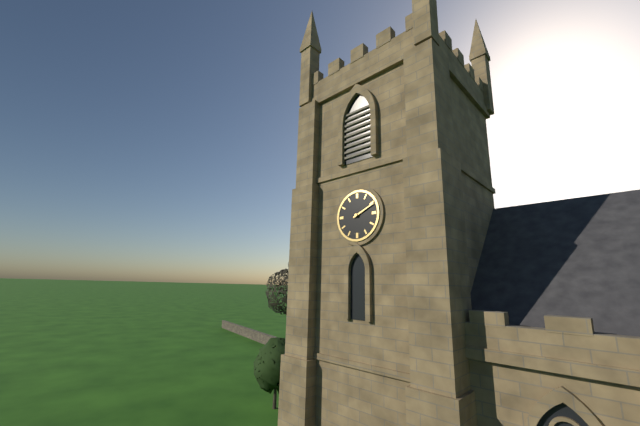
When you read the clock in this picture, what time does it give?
2:11
